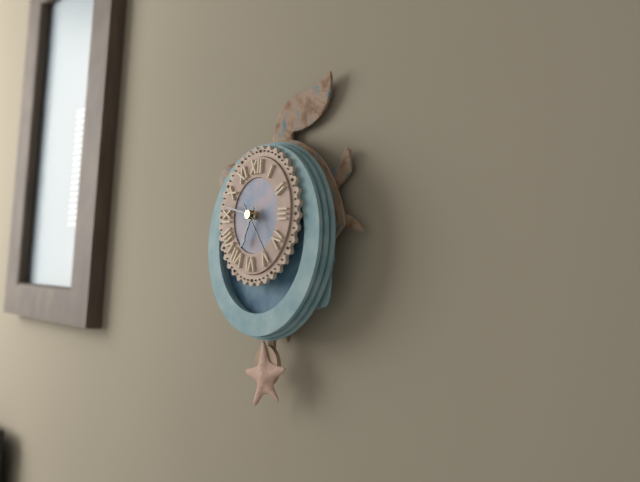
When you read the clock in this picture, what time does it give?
6:47:23
